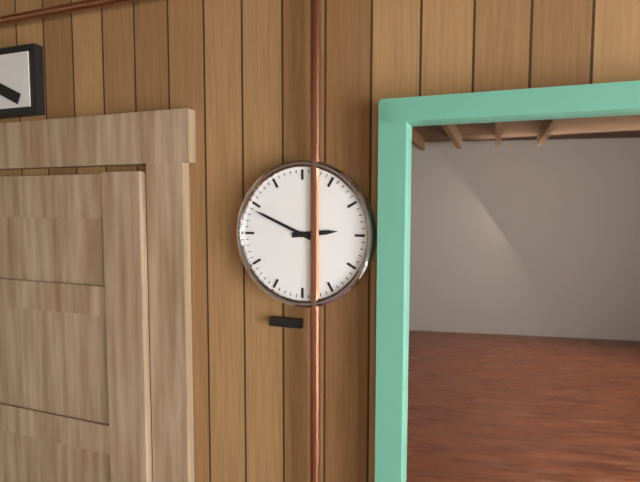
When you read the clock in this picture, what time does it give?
2:49
